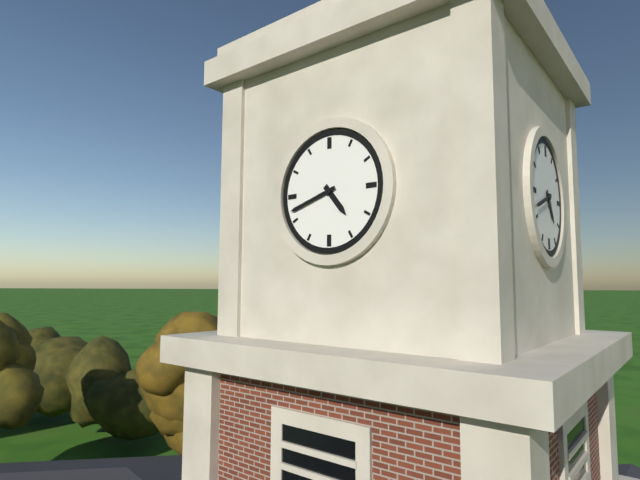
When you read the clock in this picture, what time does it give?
4:42
